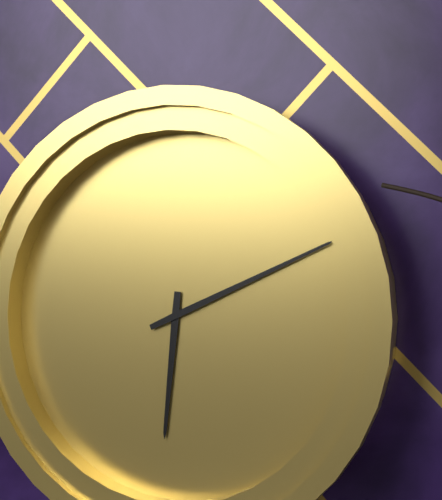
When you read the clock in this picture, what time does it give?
6:11
